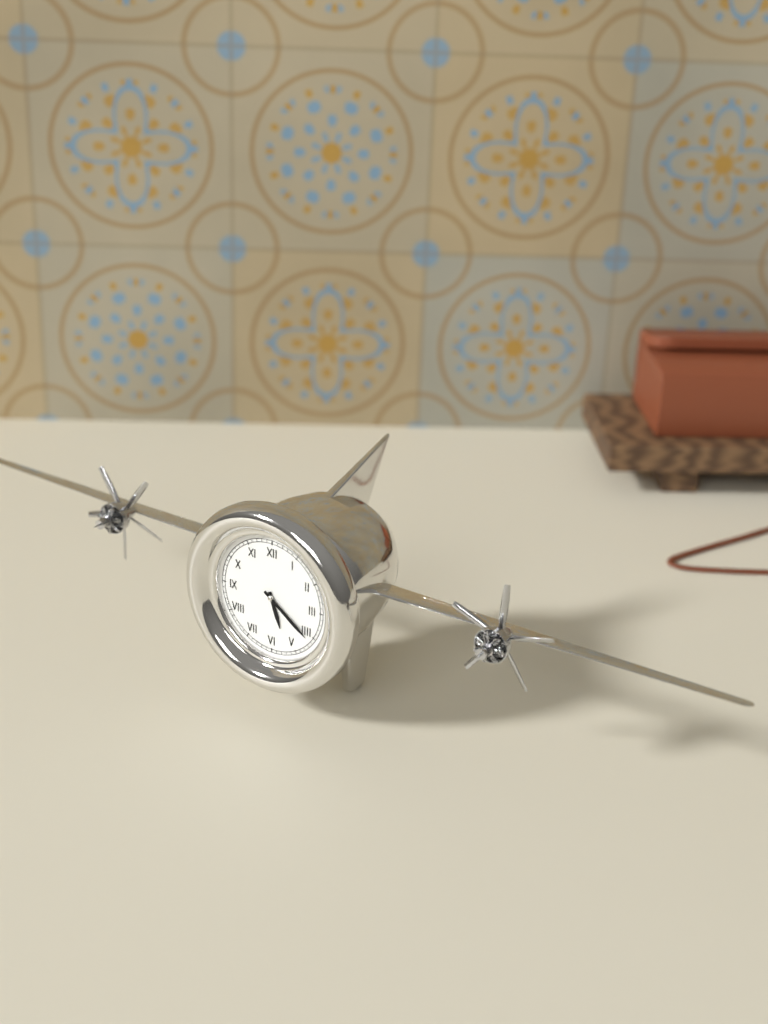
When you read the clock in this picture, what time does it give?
5:21
